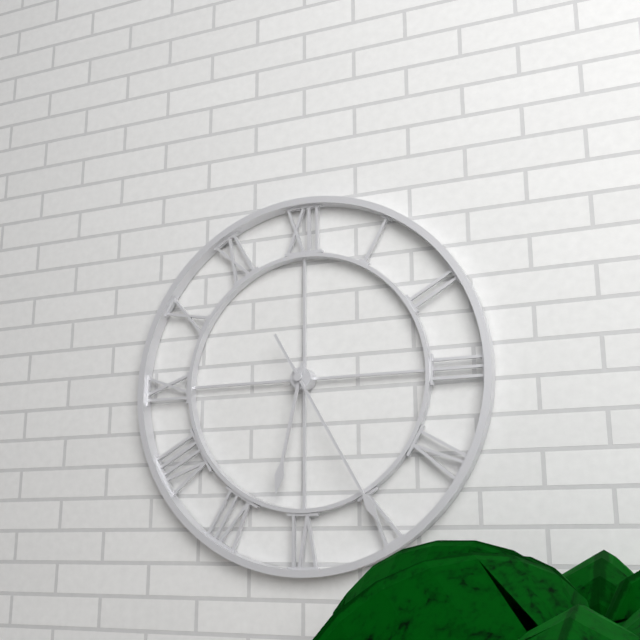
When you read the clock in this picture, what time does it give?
6:25
